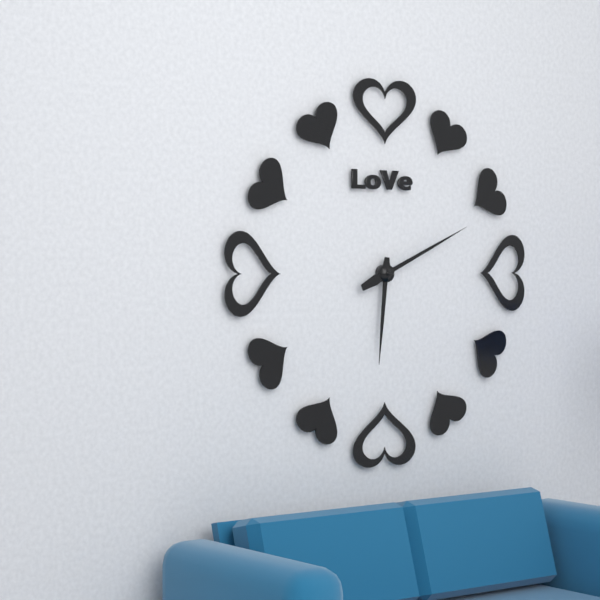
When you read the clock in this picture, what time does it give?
6:11
